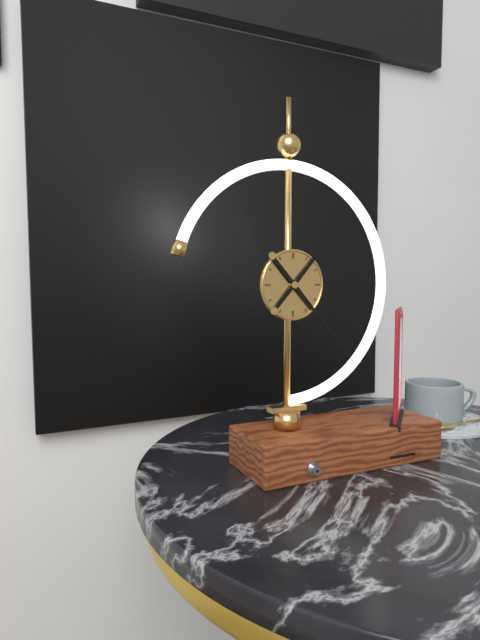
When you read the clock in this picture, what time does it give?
1:23
